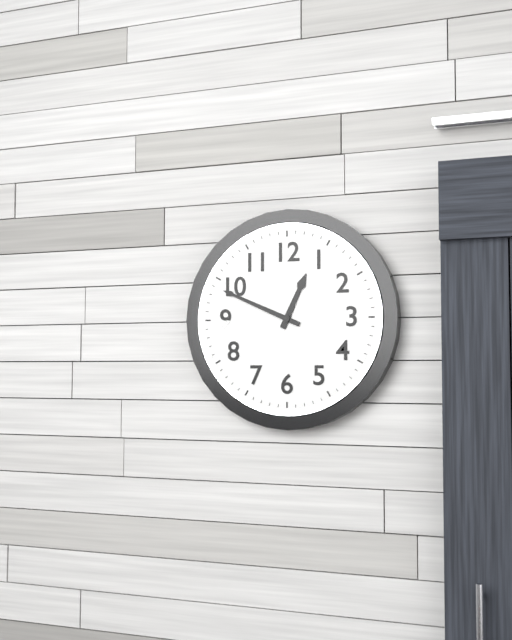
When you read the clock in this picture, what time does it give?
12:49
